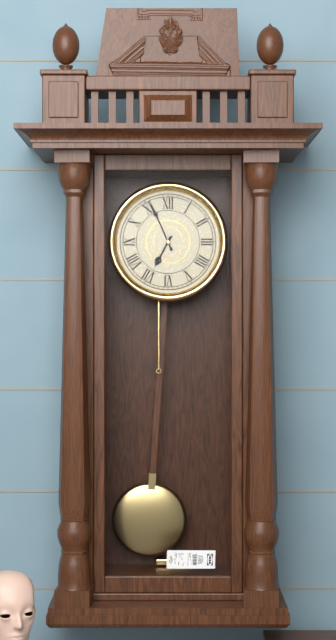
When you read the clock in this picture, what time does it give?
6:56
